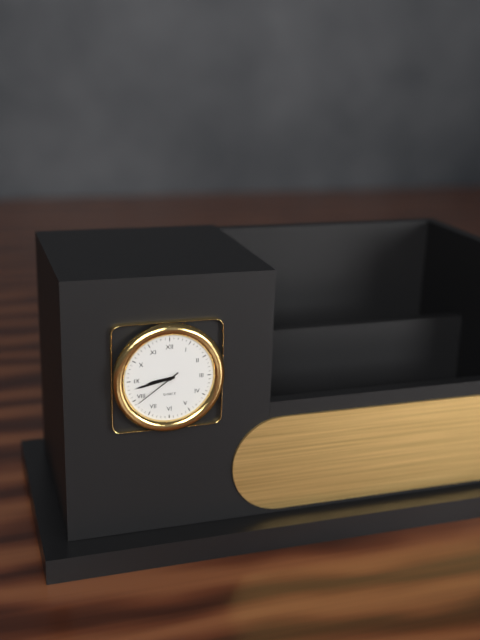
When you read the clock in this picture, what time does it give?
8:43
